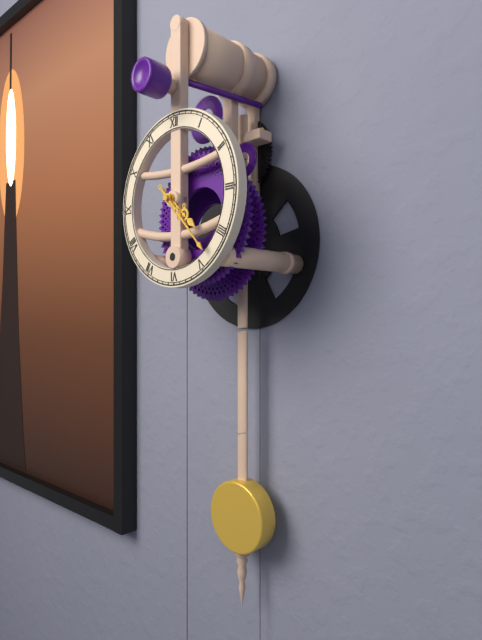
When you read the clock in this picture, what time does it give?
4:23
